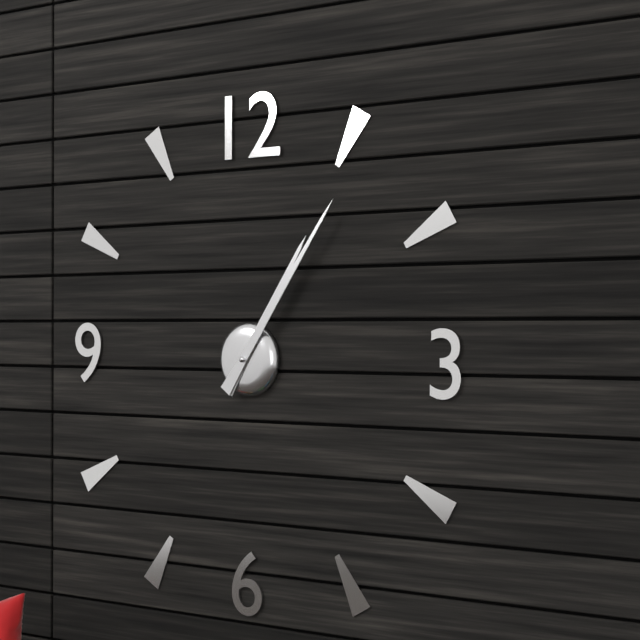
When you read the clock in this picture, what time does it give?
1:06
